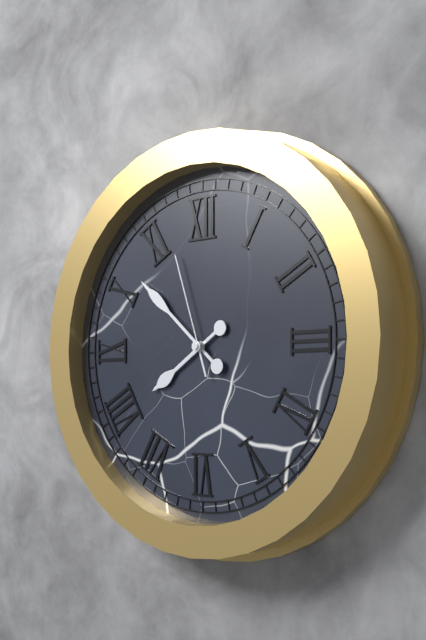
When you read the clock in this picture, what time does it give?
7:52:57
